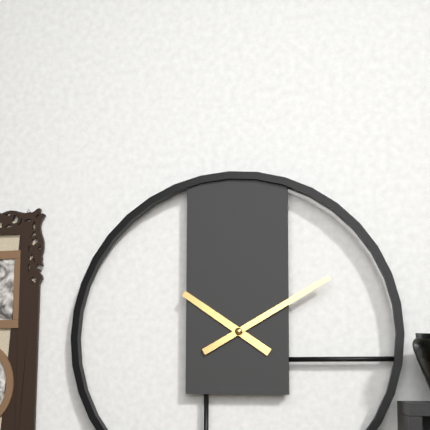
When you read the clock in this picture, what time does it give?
10:10
